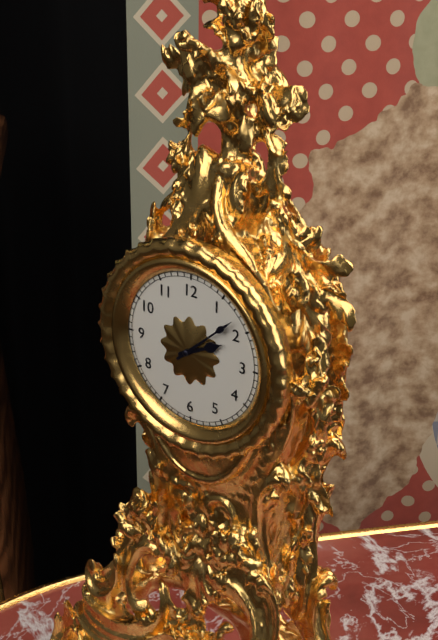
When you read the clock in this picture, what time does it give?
2:08
